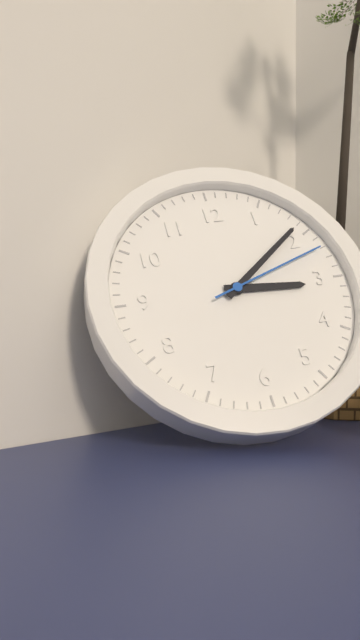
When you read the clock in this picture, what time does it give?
3:09:12
